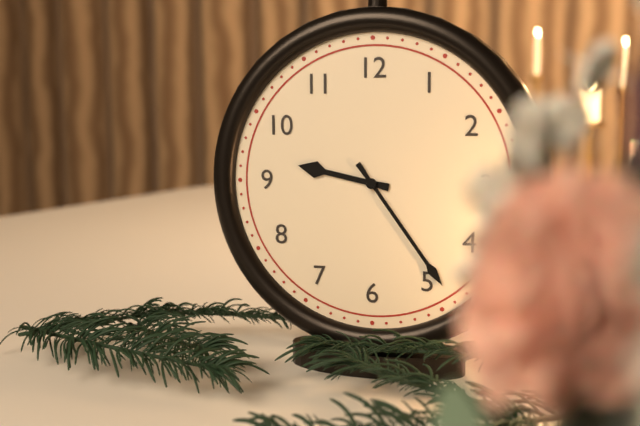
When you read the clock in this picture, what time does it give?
9:24
